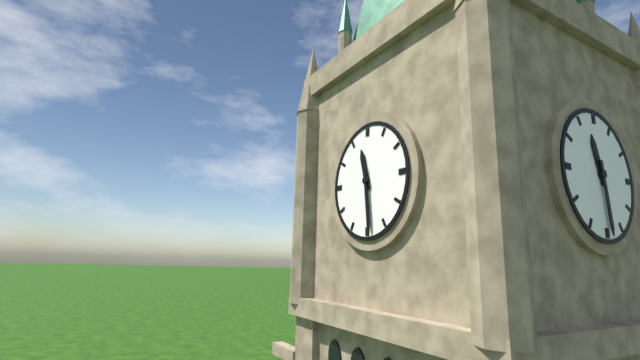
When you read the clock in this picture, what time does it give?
11:29
